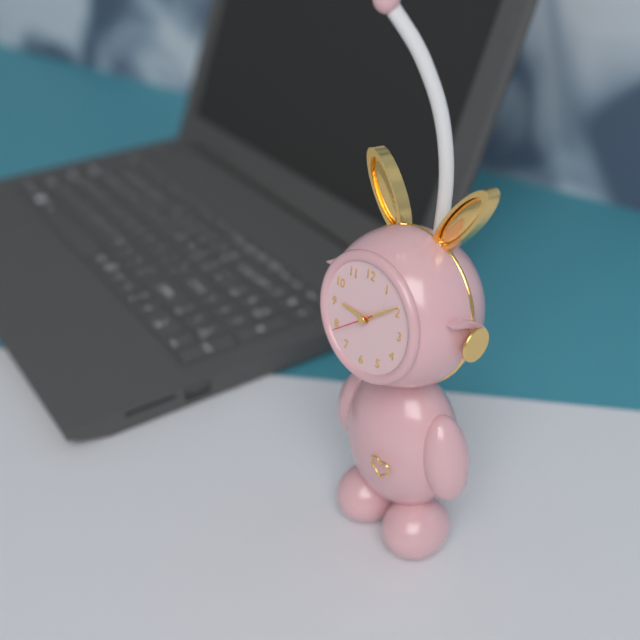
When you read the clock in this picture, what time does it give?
9:09
